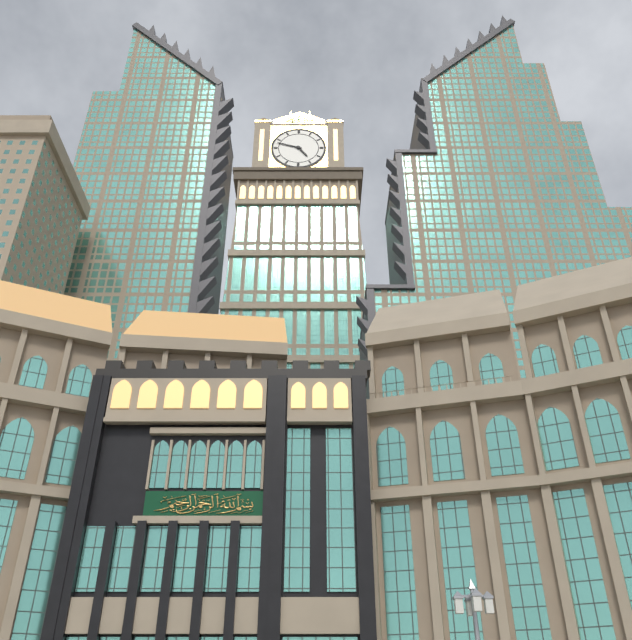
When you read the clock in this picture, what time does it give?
4:48
